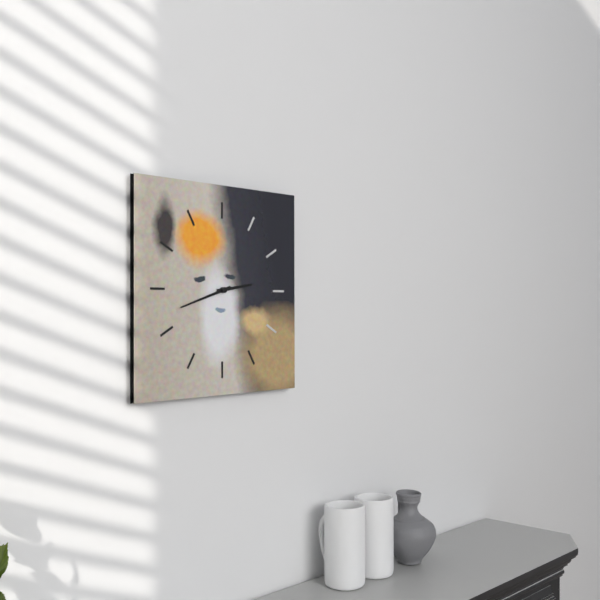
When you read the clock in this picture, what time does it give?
2:42
